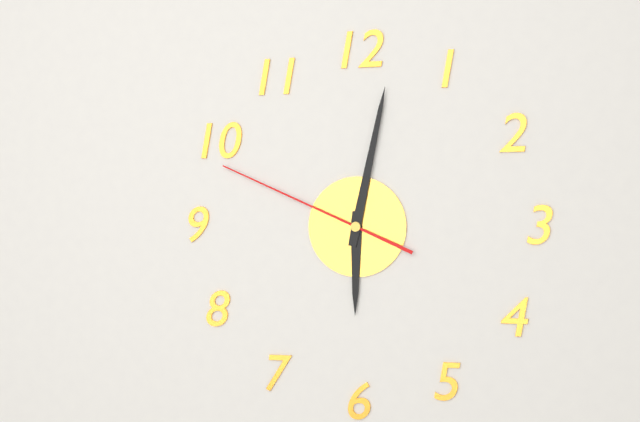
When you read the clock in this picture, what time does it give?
6:02:49
